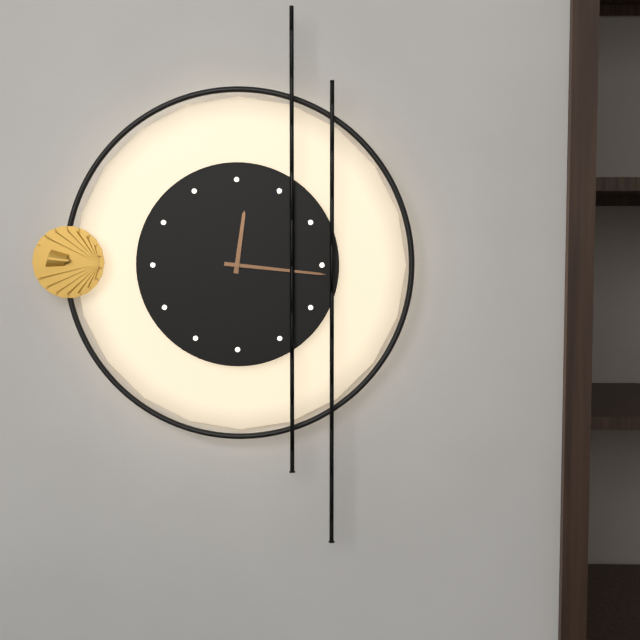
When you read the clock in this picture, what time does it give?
12:16
